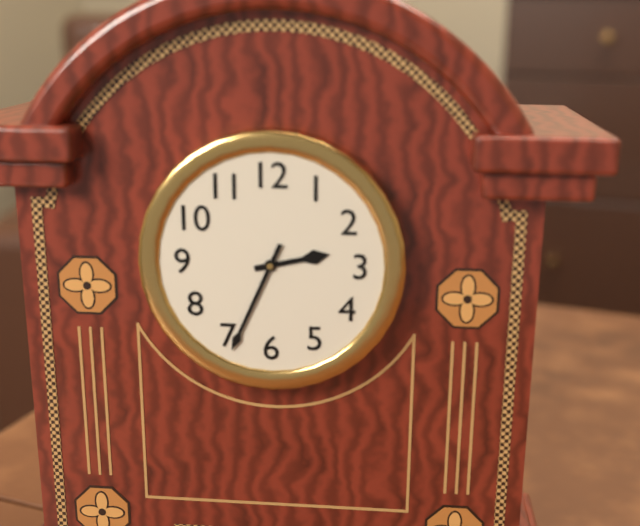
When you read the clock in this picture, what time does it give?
2:34
